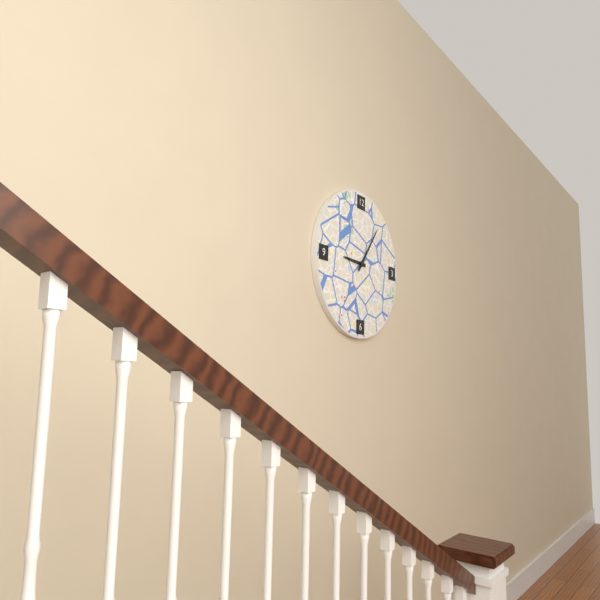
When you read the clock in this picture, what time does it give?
9:06
